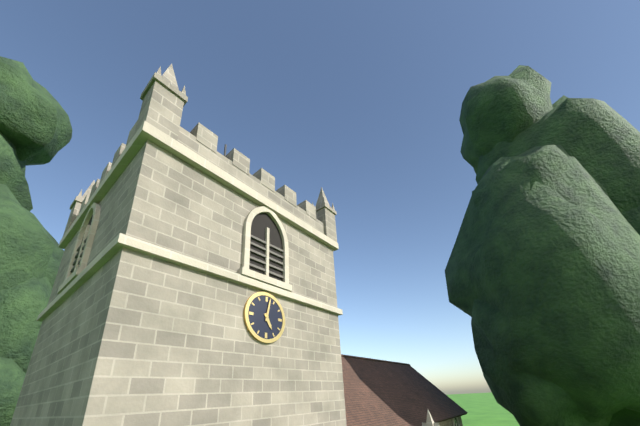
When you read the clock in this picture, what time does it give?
5:02
